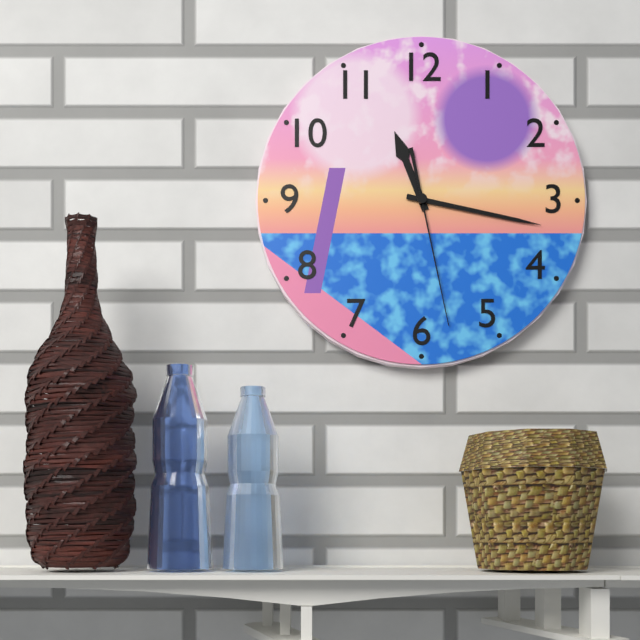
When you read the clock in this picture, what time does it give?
11:17:28
